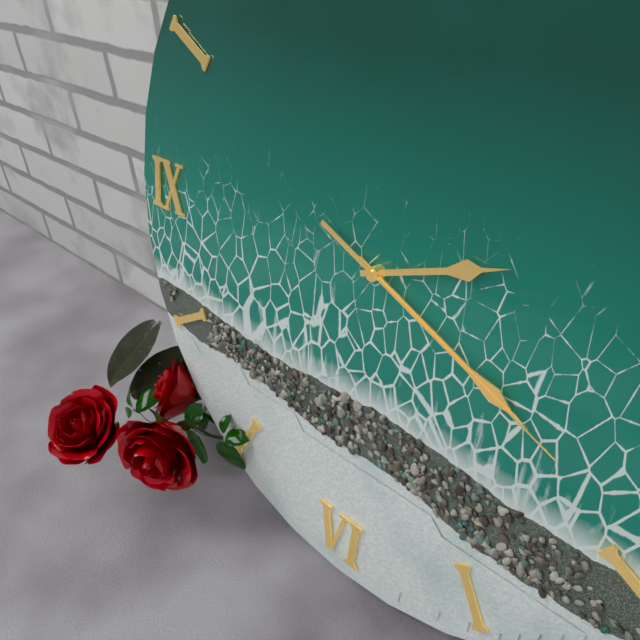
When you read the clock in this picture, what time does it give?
2:19:19
